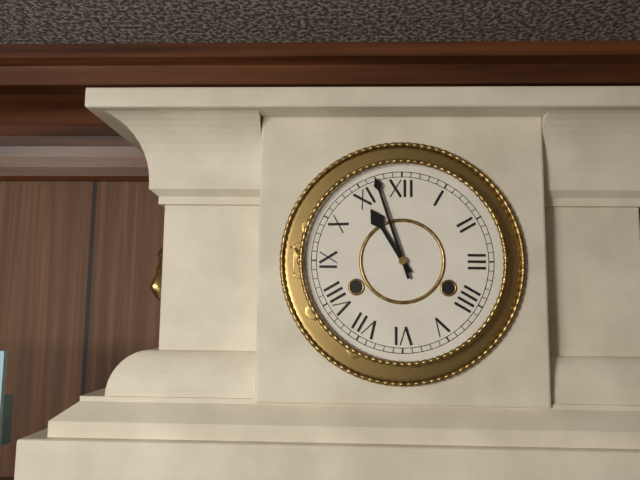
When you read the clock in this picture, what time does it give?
10:57
